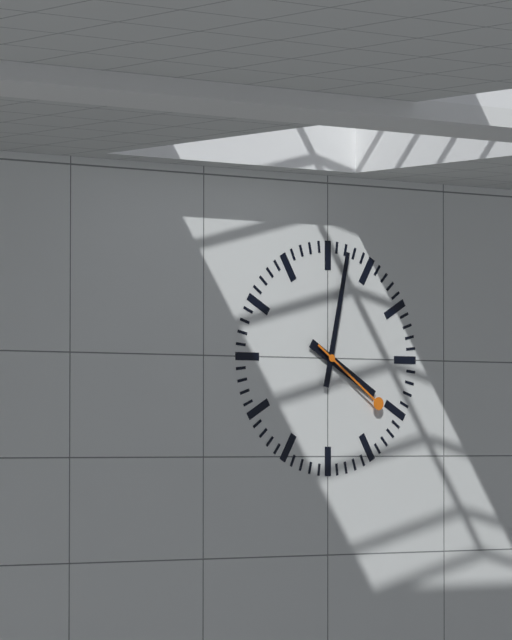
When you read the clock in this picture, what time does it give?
4:02:21
